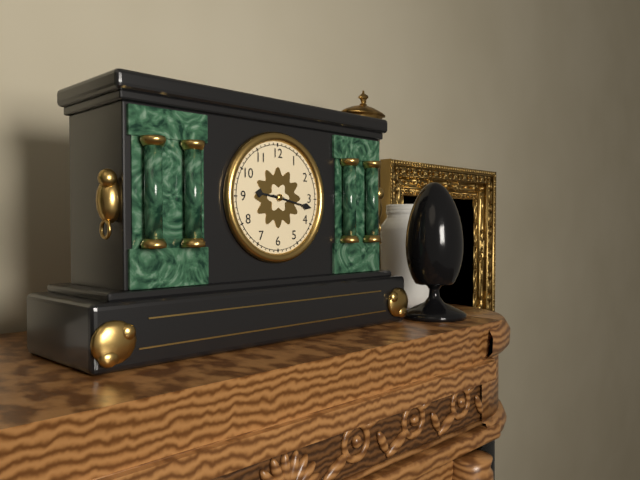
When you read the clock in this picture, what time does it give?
9:17
